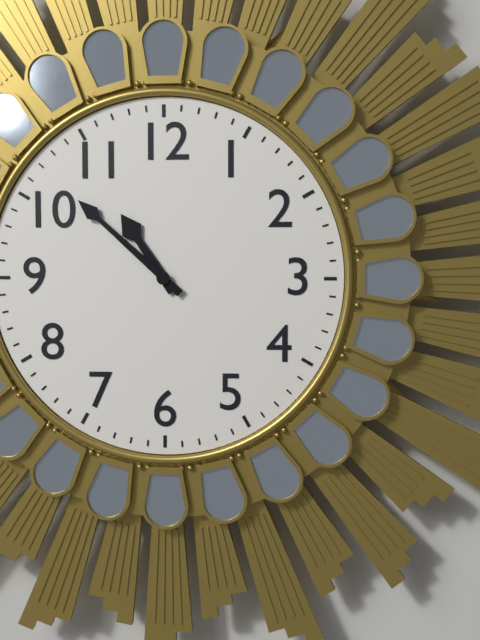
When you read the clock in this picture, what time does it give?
10:52
